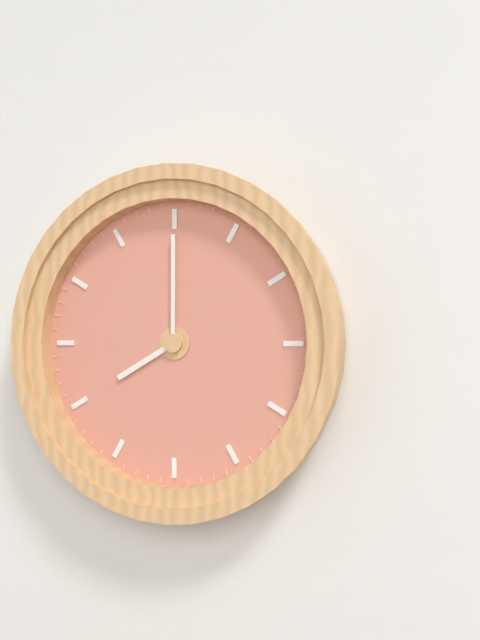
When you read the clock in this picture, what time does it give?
8:00
